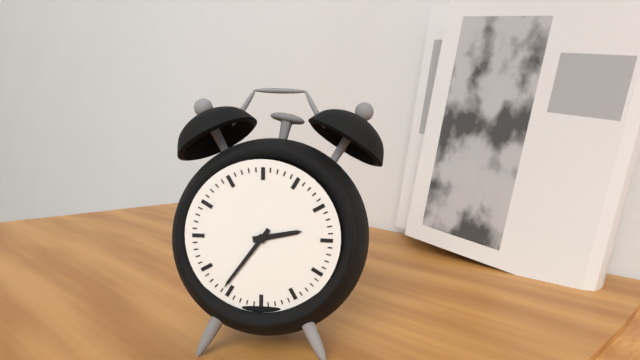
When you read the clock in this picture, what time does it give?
2:36
